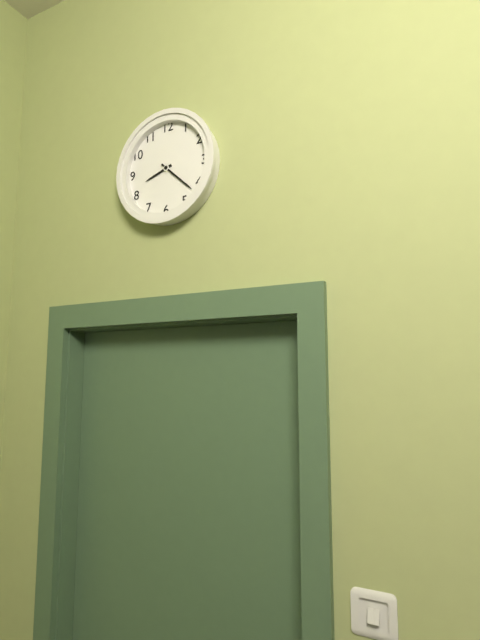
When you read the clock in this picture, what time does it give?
8:22
